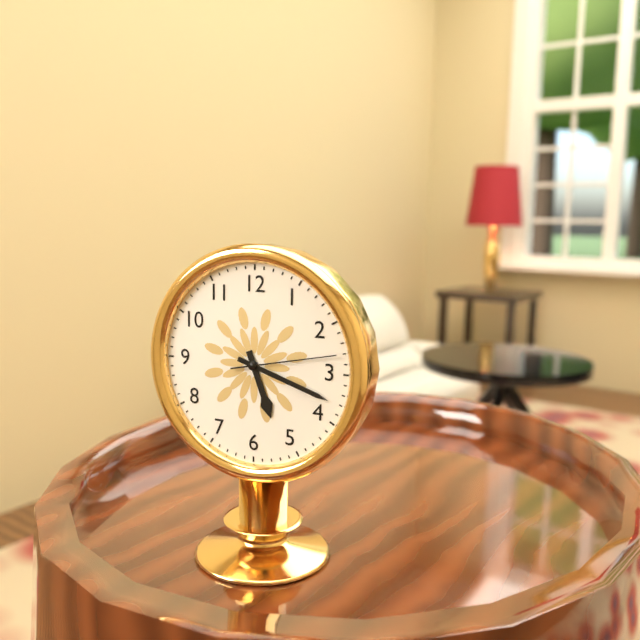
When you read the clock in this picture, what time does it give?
5:18:13
